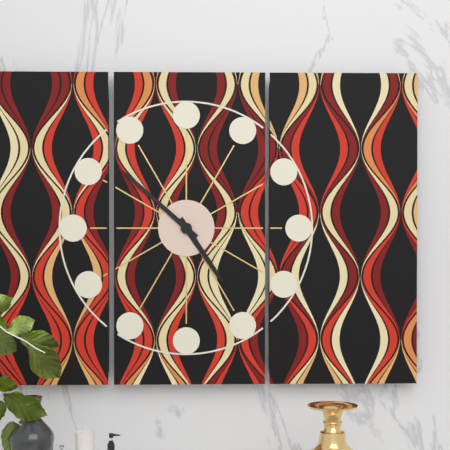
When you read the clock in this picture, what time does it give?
4:52
